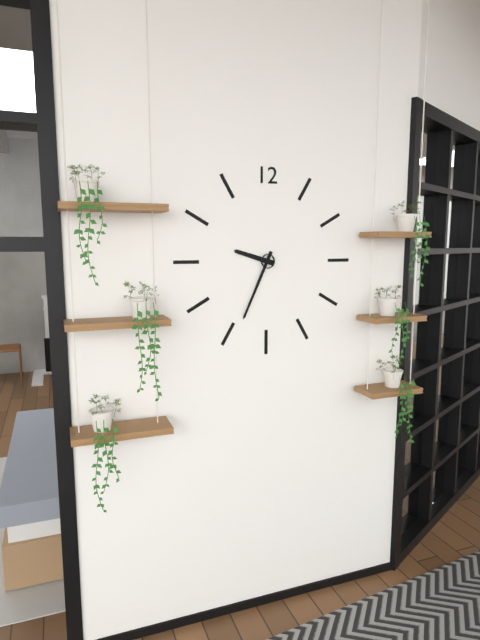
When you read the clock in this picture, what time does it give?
9:34
